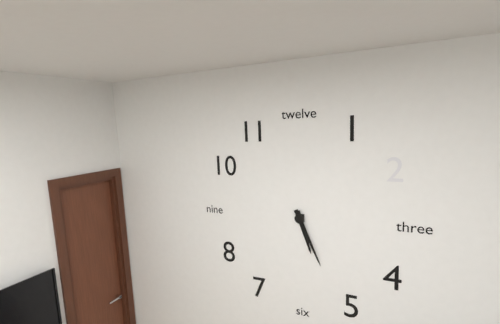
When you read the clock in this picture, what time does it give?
5:26
